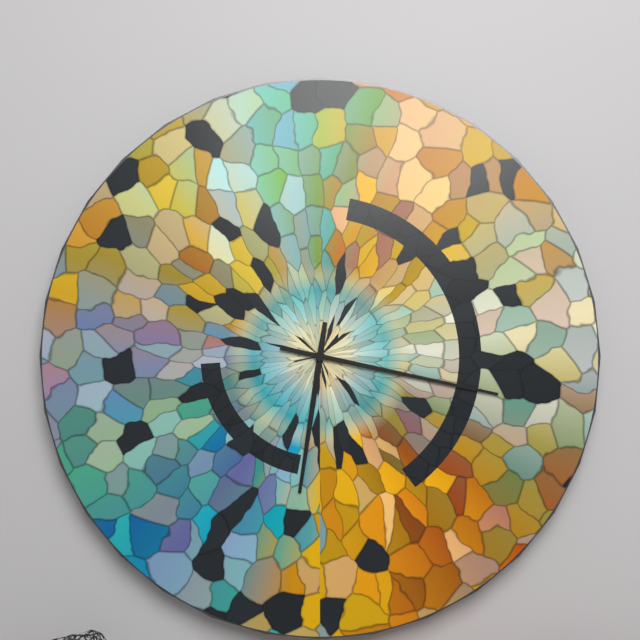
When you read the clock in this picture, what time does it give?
6:17
